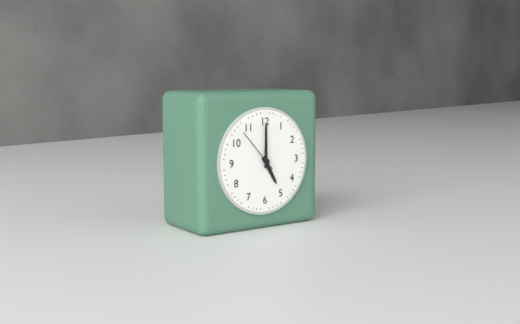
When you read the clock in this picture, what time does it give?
5:00
